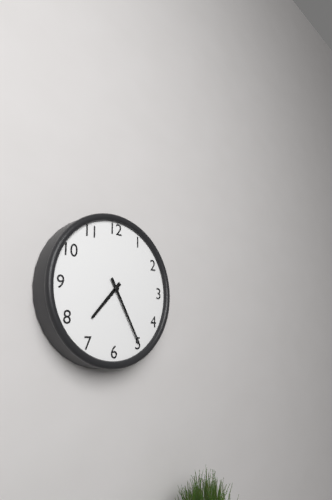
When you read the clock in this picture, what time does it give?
7:25
